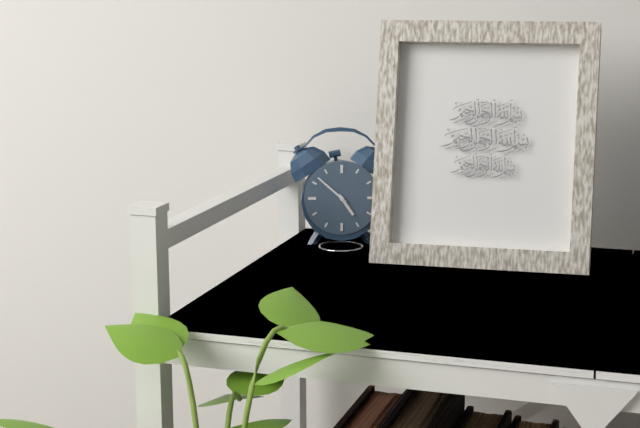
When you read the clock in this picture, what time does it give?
4:52
